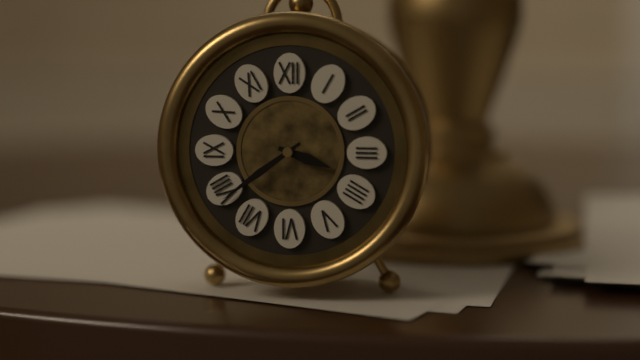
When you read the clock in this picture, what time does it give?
3:39
